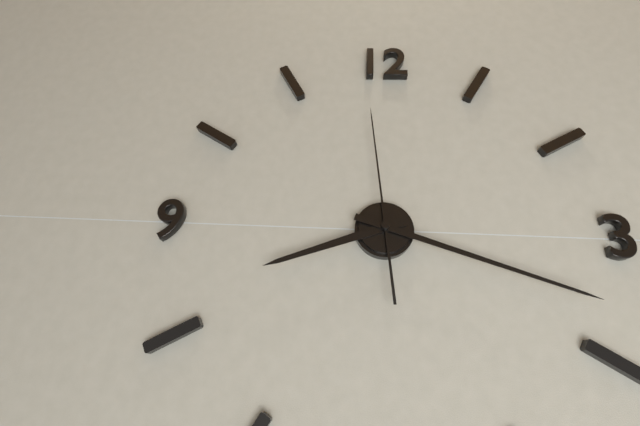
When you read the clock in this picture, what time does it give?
8:18:59
